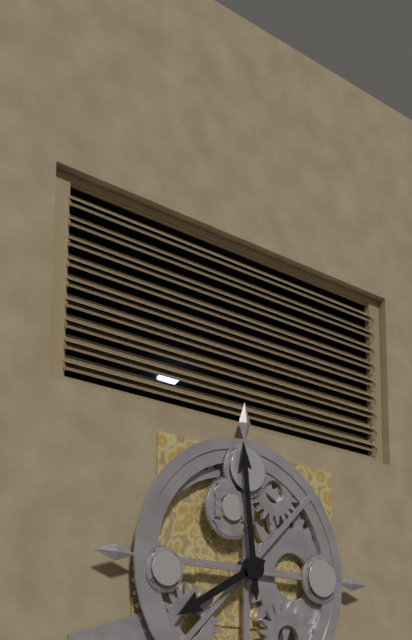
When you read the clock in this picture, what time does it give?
7:59
